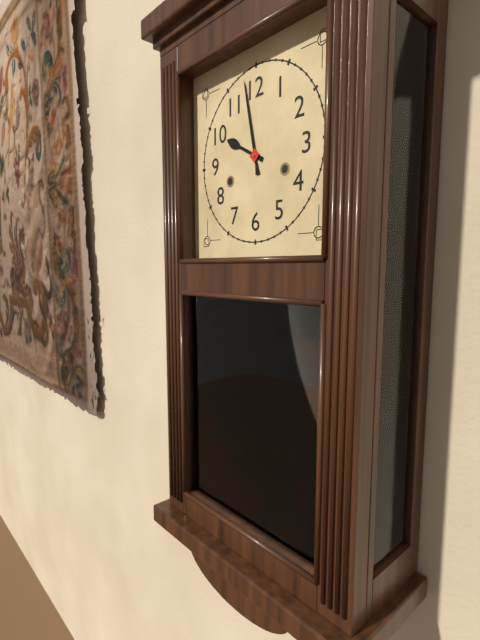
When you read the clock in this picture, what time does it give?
9:58
